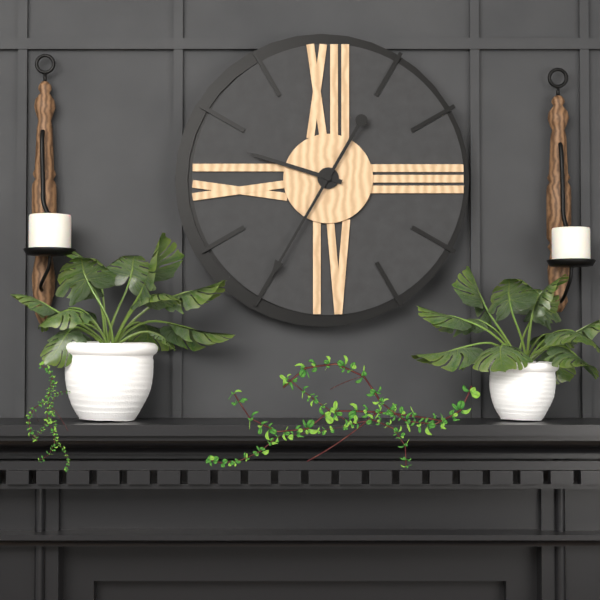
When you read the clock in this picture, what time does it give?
9:35
